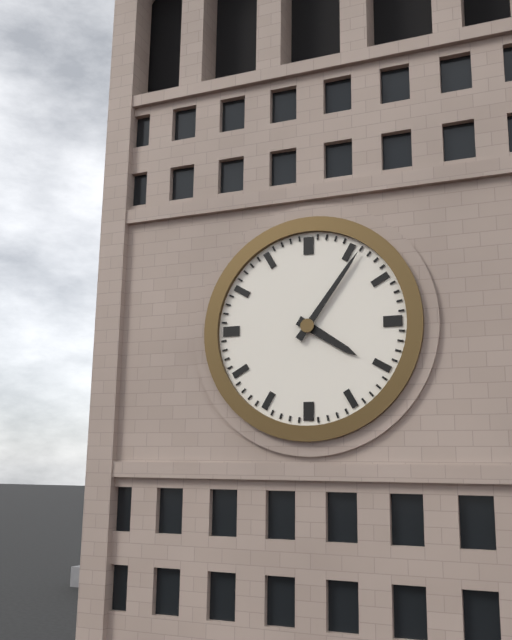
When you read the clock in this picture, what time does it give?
4:06
